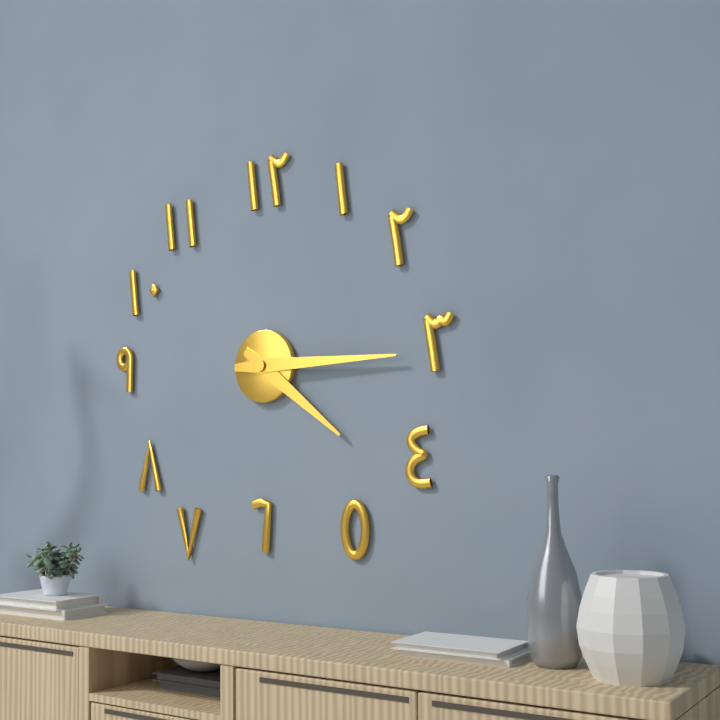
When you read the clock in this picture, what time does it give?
4:15
